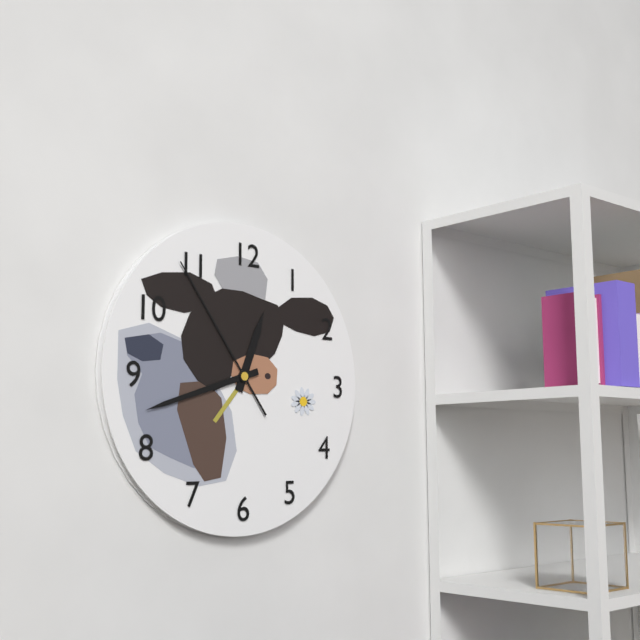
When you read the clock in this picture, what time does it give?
12:42:54
